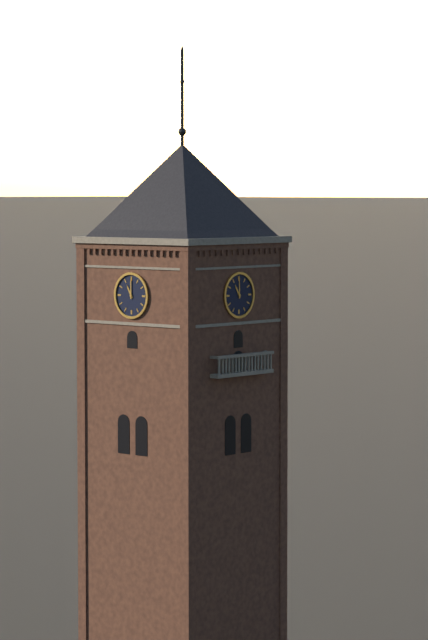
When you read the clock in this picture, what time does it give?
11:00
